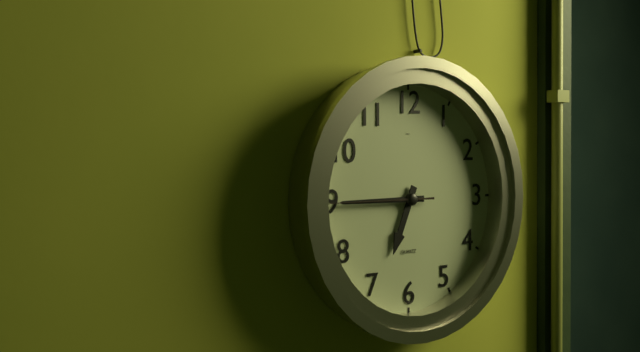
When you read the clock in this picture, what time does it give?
6:45:45
